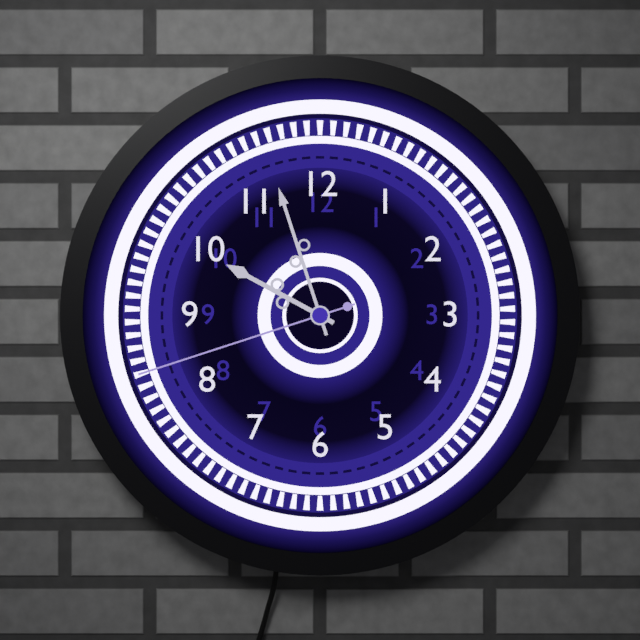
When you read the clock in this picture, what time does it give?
9:57:42
